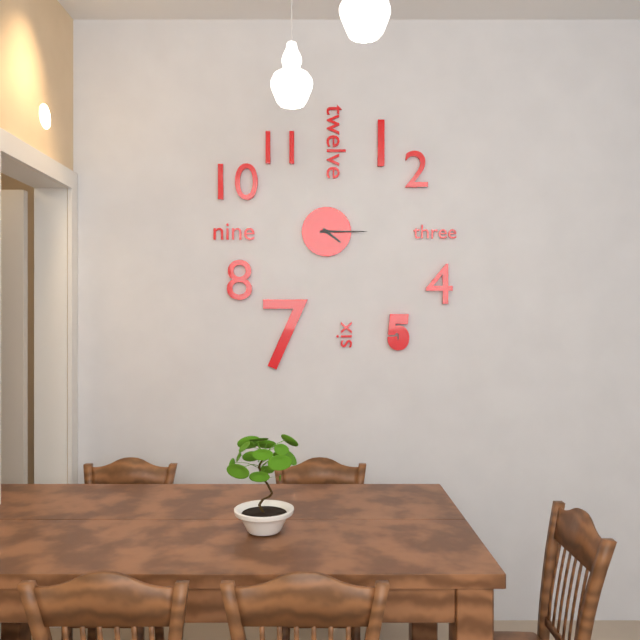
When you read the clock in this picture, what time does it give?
4:15
